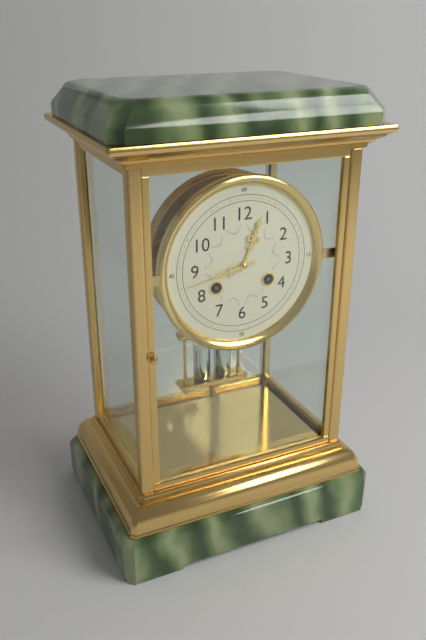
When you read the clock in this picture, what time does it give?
12:43
